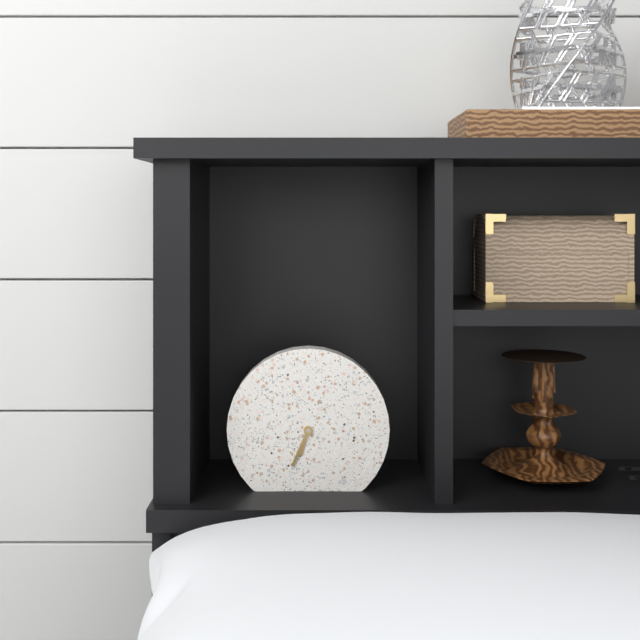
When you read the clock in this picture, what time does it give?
6:34
